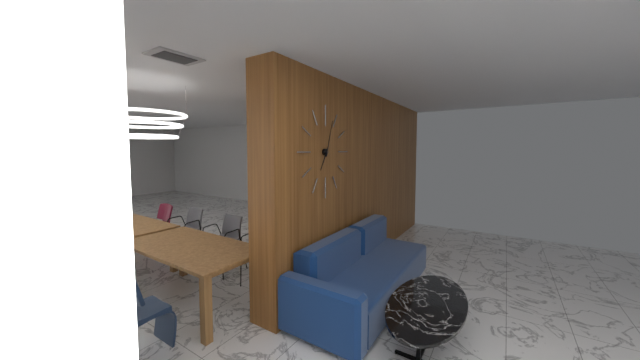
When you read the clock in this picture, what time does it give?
7:03
